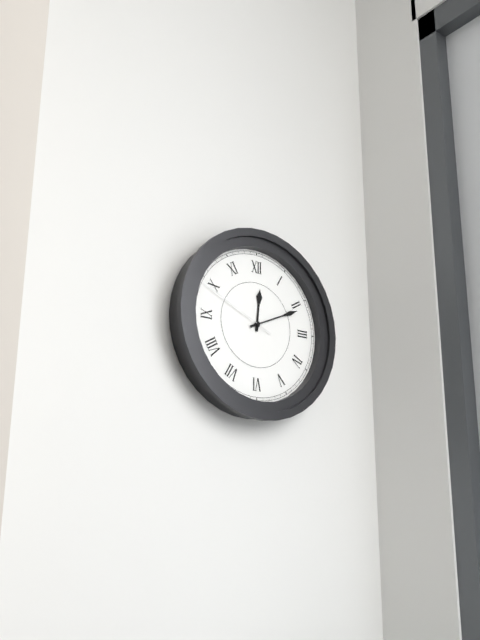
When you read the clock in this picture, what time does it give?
12:11:49
